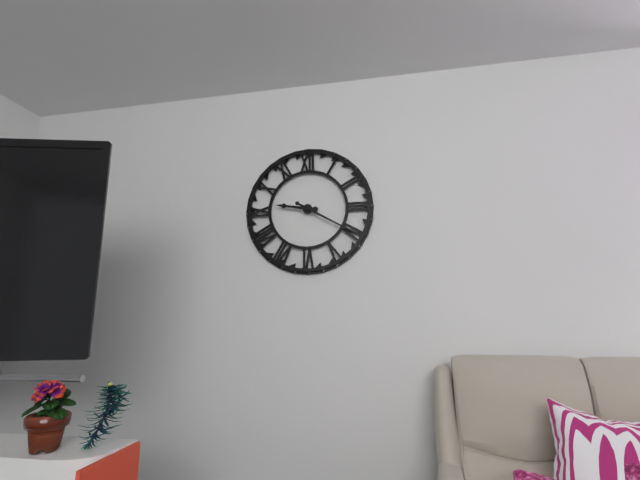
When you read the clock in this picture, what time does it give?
9:20
